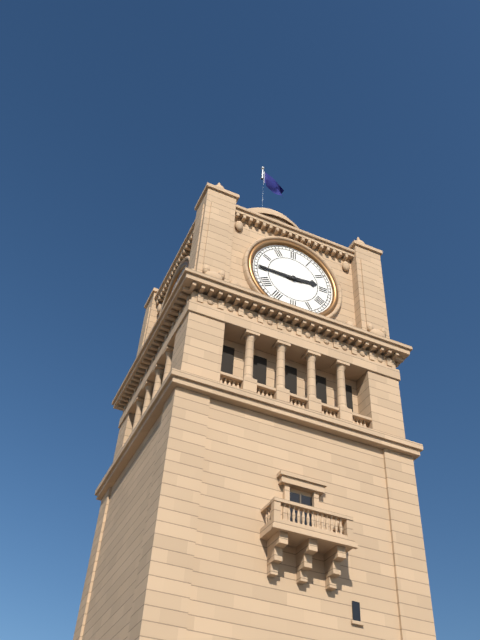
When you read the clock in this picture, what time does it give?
2:45
